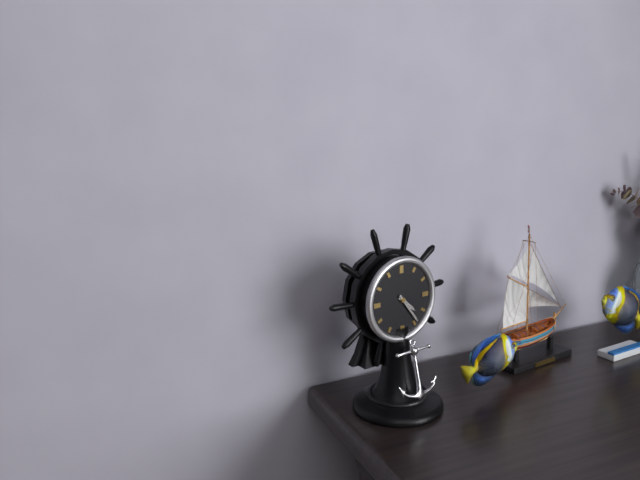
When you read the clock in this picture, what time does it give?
4:24
